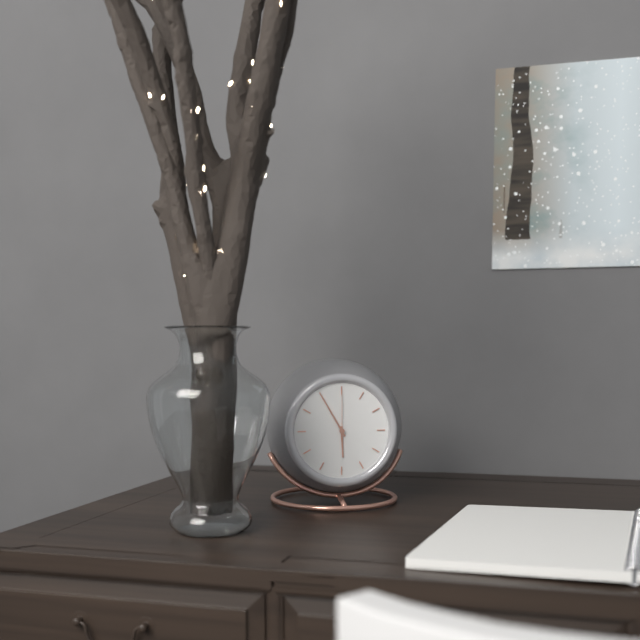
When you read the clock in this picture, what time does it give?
5:55:00
